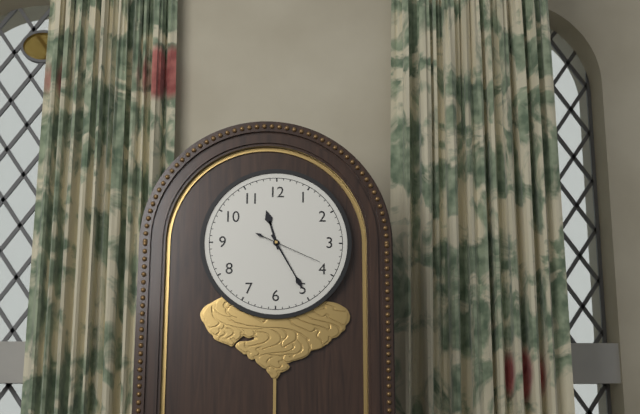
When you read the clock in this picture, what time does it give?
11:25:19
